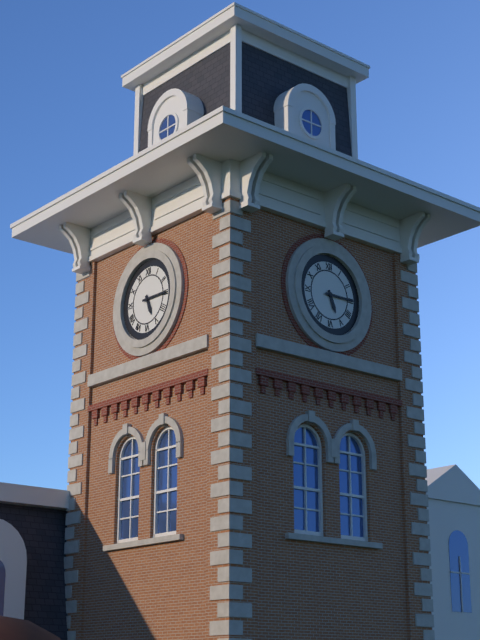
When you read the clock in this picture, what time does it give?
5:15
